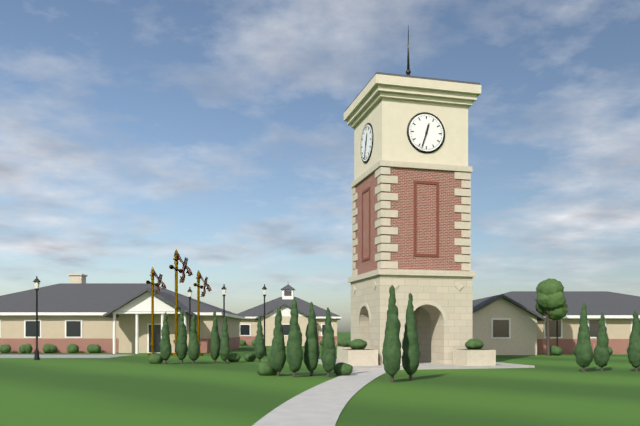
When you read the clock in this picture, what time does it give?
12:33
